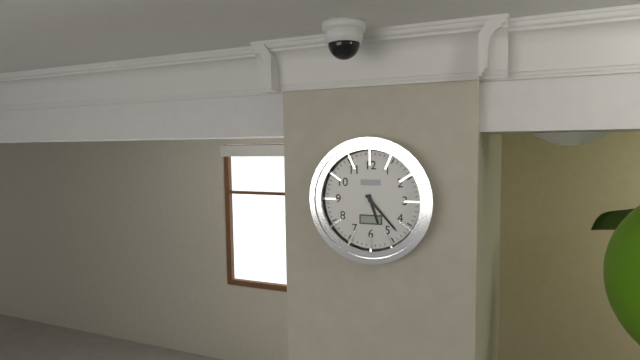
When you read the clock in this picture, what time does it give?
5:23
